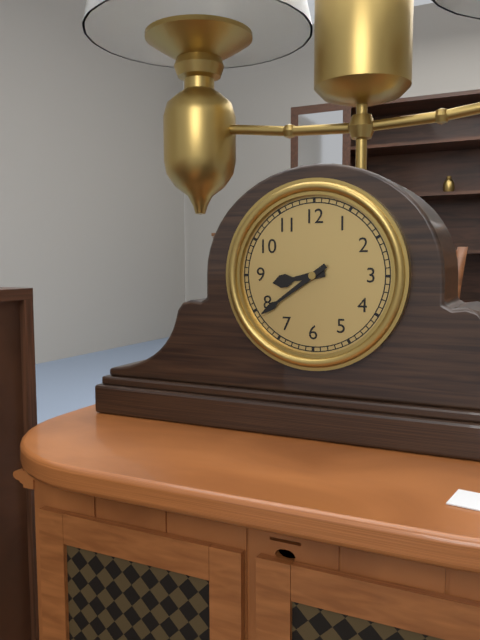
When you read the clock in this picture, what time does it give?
8:39
